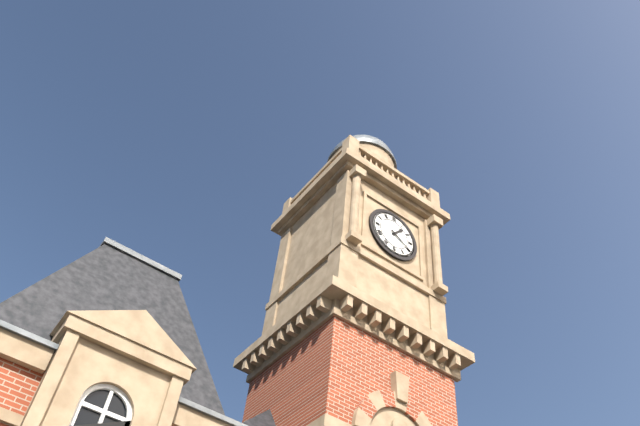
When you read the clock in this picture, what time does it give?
1:20
